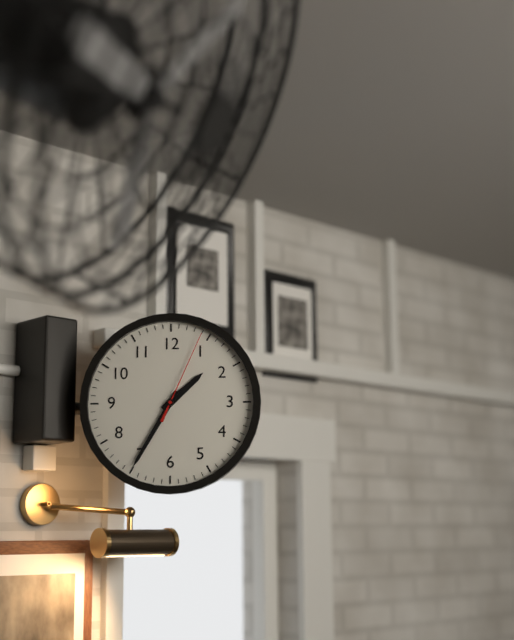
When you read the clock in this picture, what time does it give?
1:35:04
